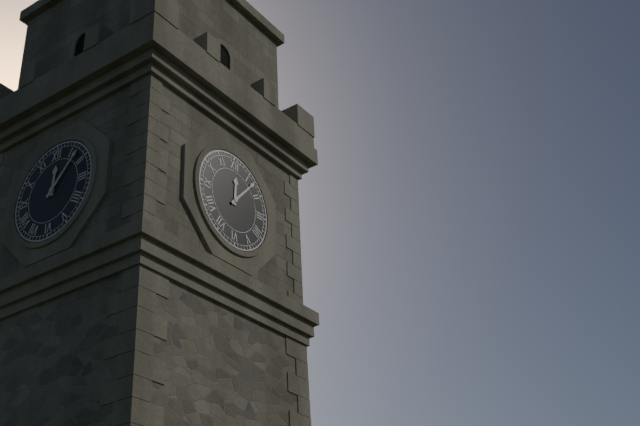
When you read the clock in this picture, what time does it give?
12:07
